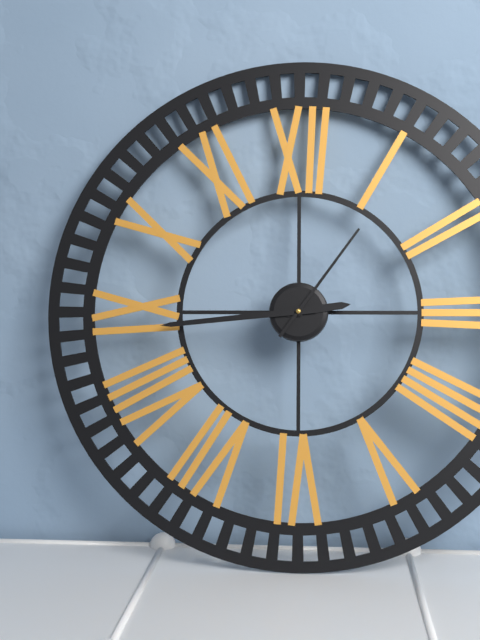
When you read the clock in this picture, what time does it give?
2:44:06
